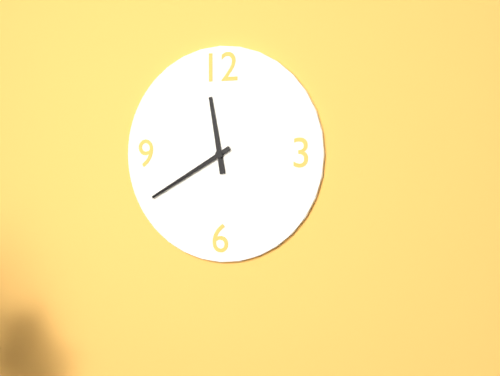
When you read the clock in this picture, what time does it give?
11:40
